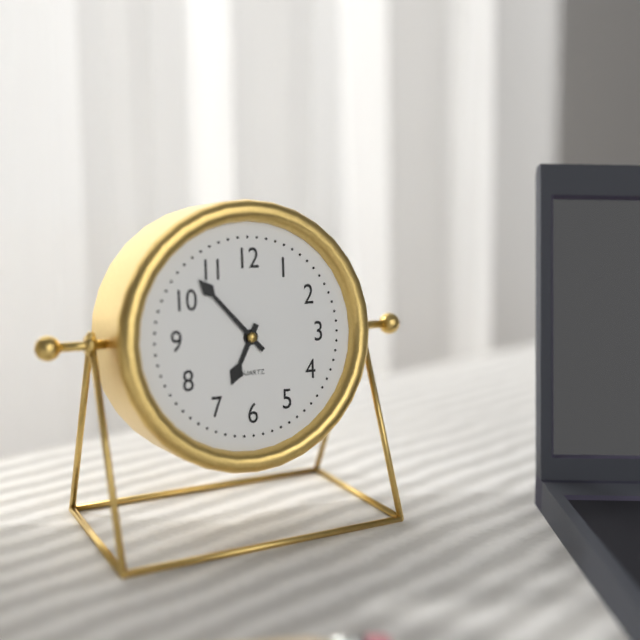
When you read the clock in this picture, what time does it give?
6:53
